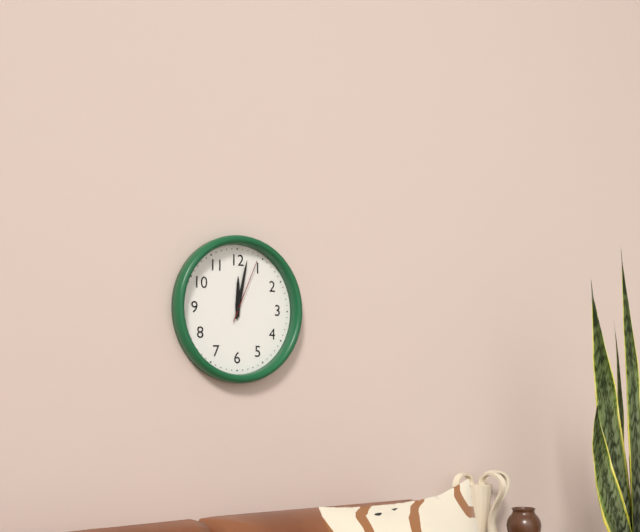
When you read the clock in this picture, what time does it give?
12:02:04
